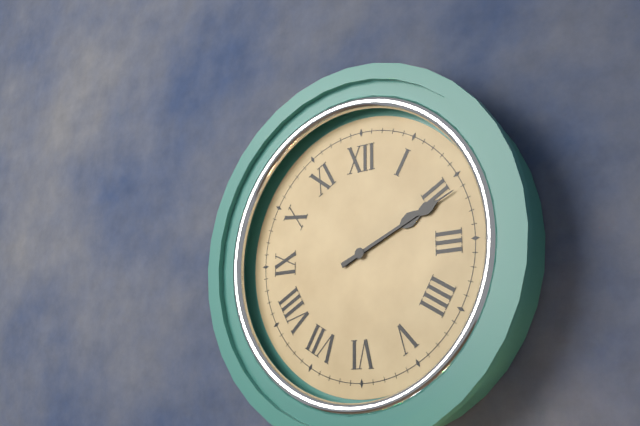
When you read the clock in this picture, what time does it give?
2:11
